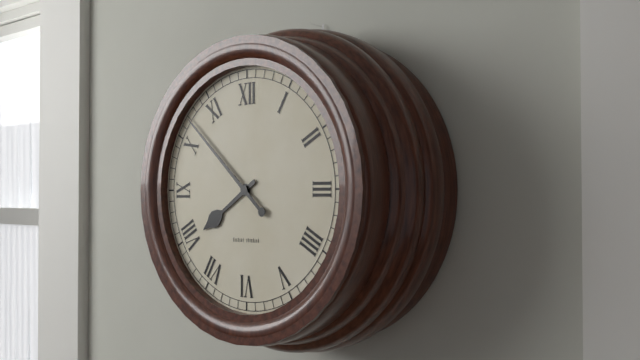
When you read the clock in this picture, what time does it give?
7:52
